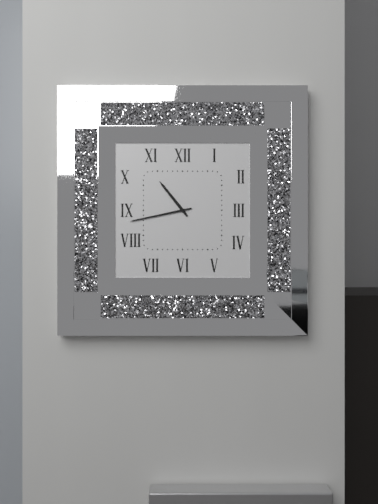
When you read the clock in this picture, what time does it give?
10:43
